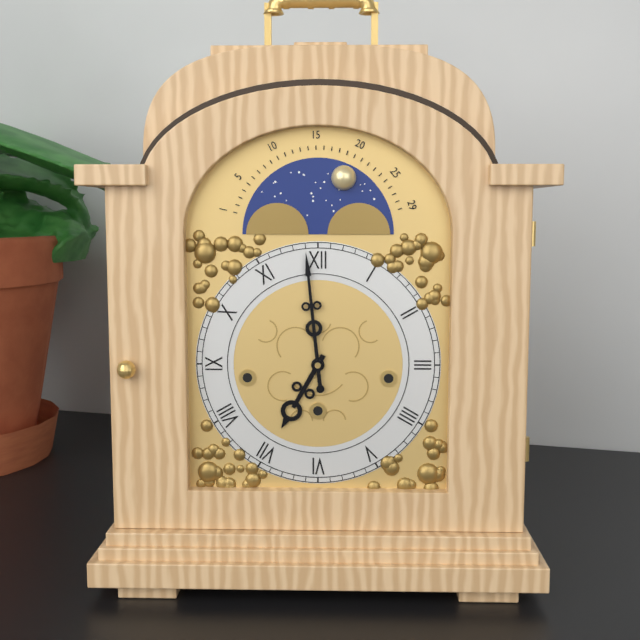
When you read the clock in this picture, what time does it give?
6:59
